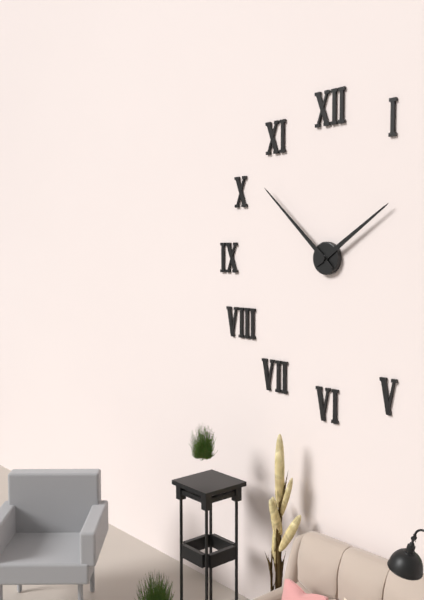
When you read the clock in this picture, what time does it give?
1:52
